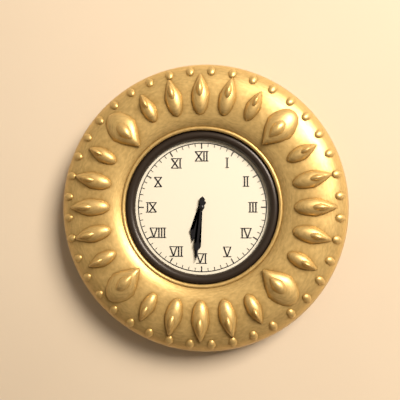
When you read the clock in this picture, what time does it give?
6:31
